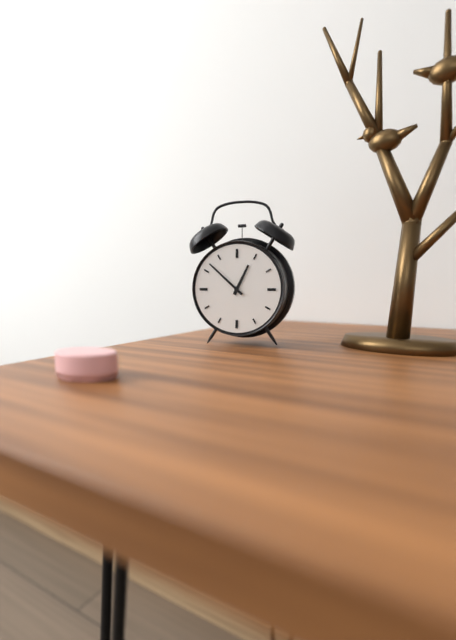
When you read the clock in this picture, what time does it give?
12:52
